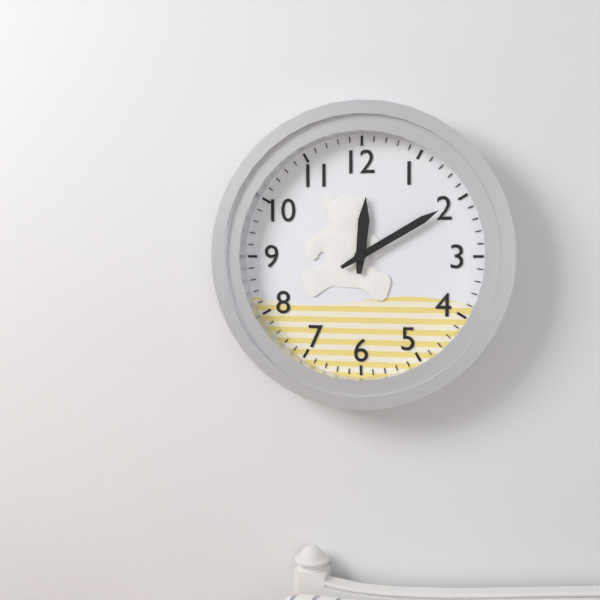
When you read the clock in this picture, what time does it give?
12:10
